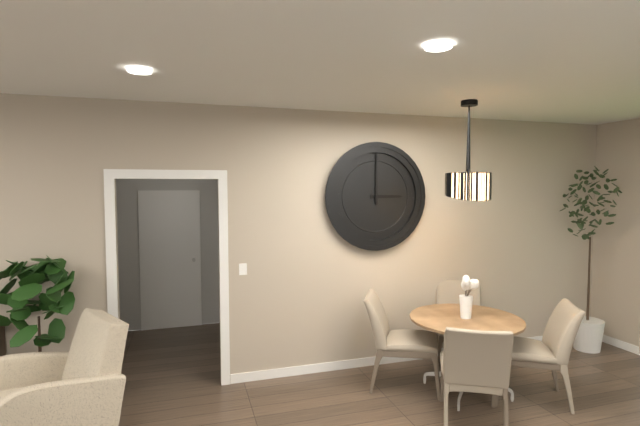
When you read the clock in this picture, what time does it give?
3:00
